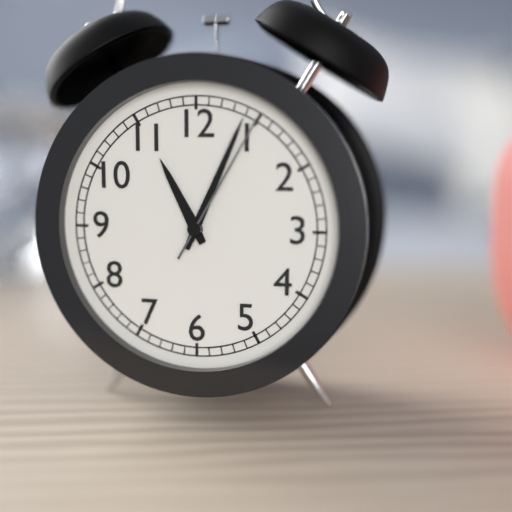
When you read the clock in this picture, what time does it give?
11:04:05
